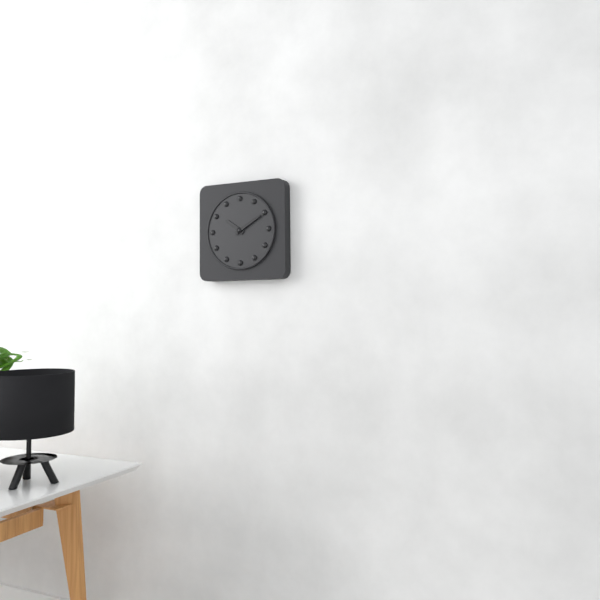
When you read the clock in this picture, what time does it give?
10:10
